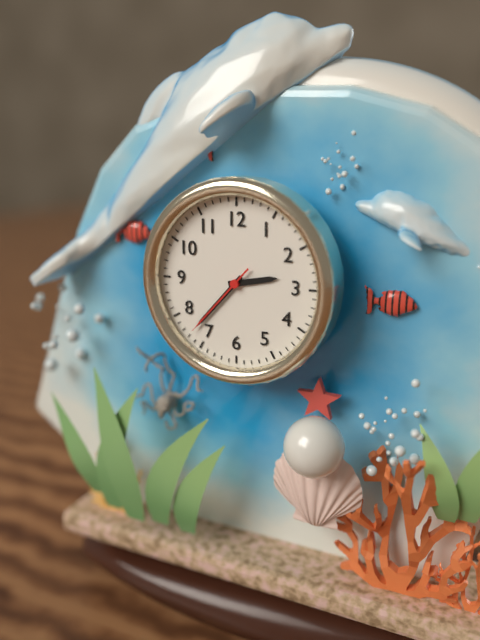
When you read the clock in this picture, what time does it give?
2:37:37
